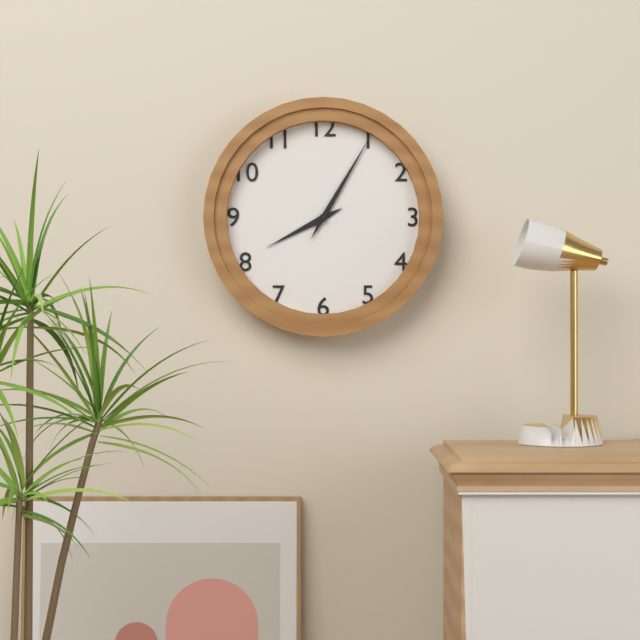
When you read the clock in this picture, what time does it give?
8:05
